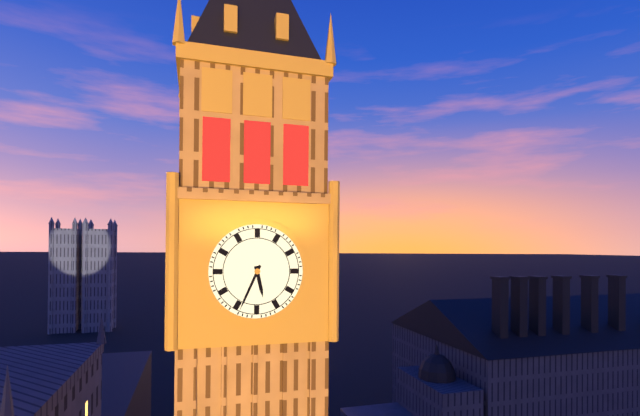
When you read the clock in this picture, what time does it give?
5:34
